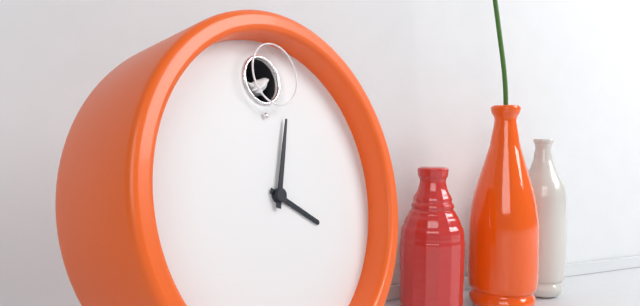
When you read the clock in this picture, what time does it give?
4:03
